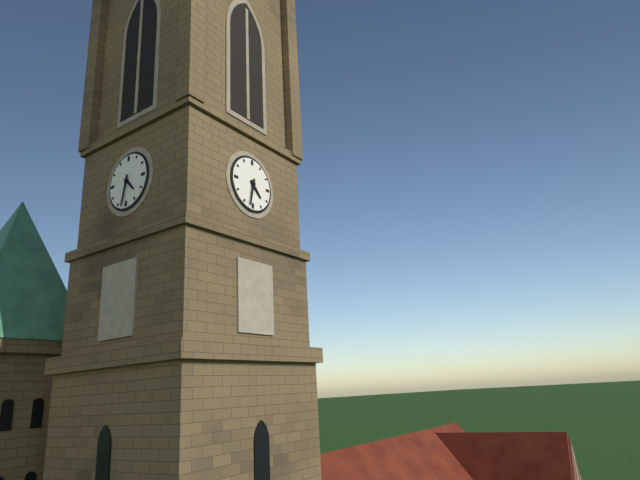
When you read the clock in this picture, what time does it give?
4:32
